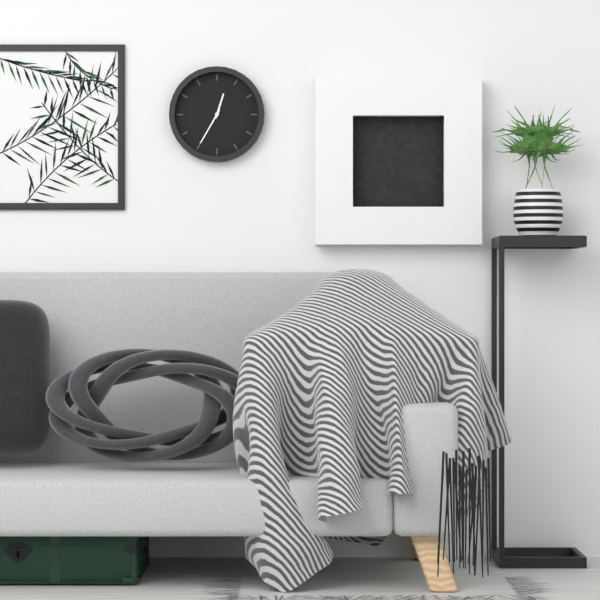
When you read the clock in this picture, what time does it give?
12:35
